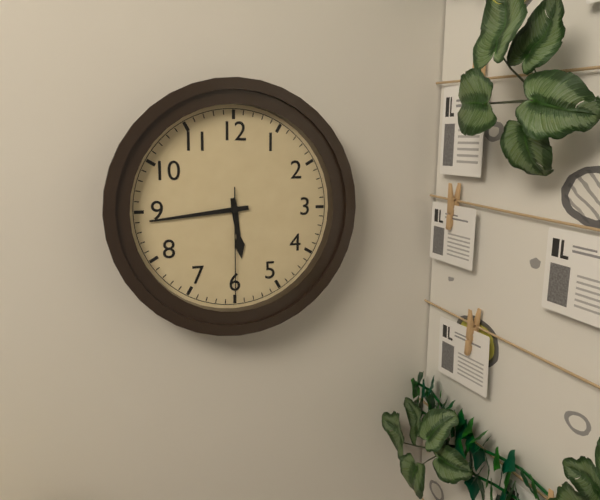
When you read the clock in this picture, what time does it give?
5:44:30
